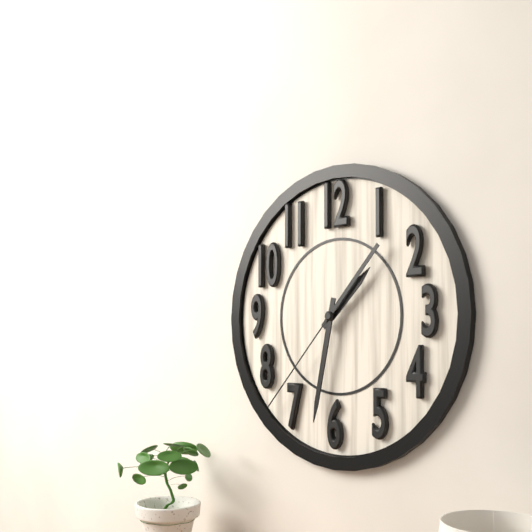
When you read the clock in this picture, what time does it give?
1:32:37
